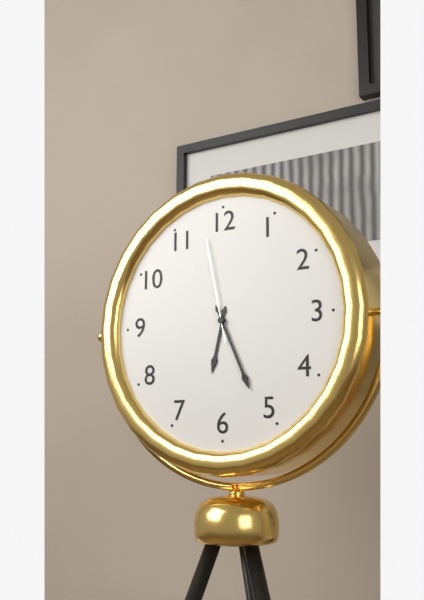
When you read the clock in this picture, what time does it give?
6:26:58
